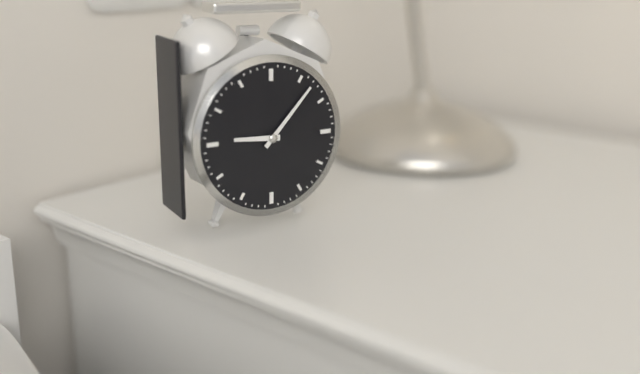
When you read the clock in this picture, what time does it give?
9:07
